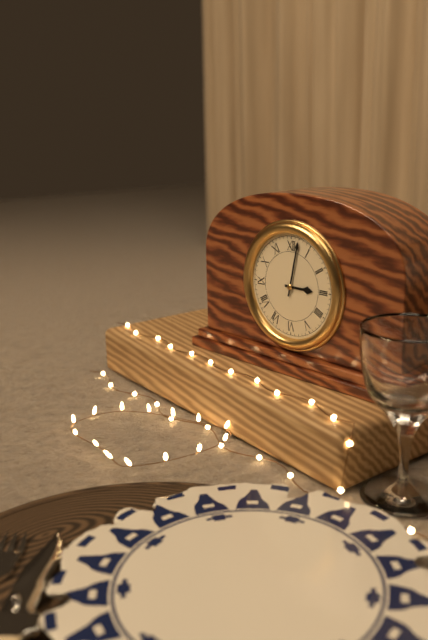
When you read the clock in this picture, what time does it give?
3:02
